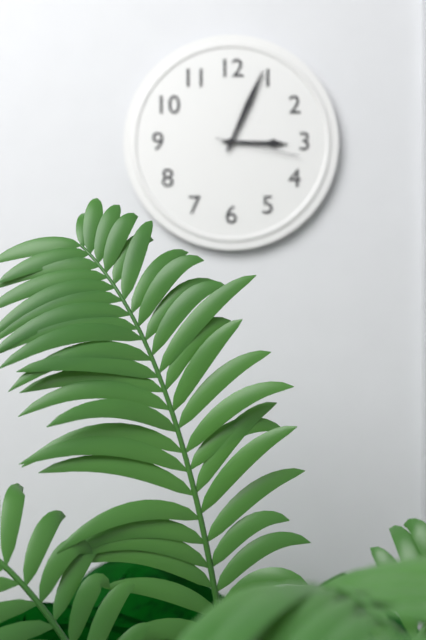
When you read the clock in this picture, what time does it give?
3:04:17
